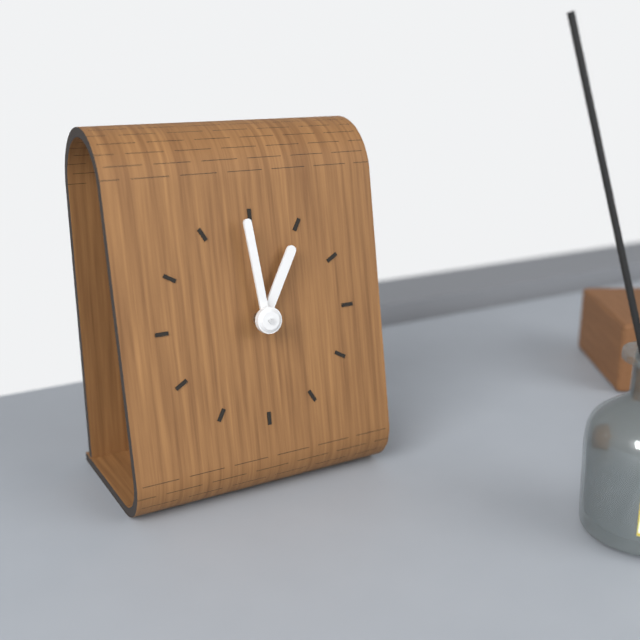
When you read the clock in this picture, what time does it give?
12:59
